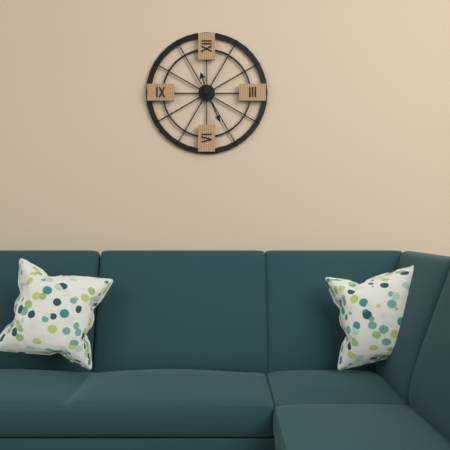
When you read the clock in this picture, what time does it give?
11:26
